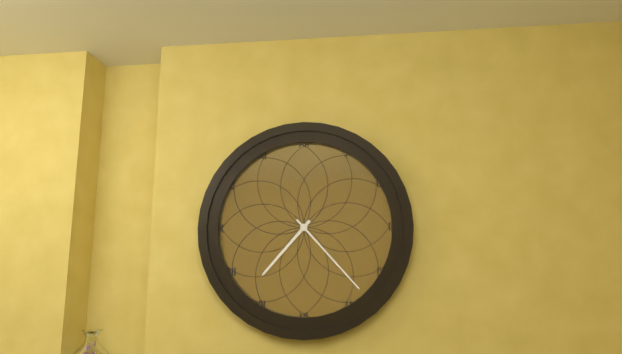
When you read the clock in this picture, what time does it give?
7:23
